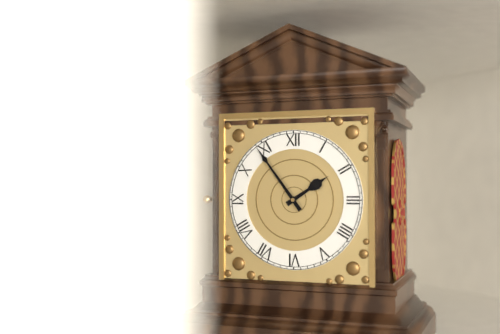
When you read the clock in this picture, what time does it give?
1:54
